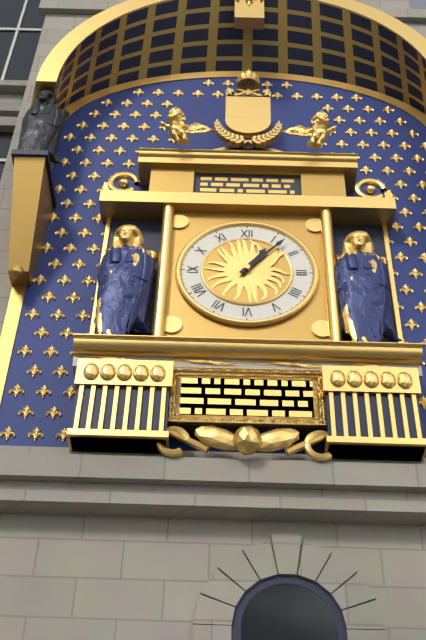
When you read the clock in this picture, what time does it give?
1:07
